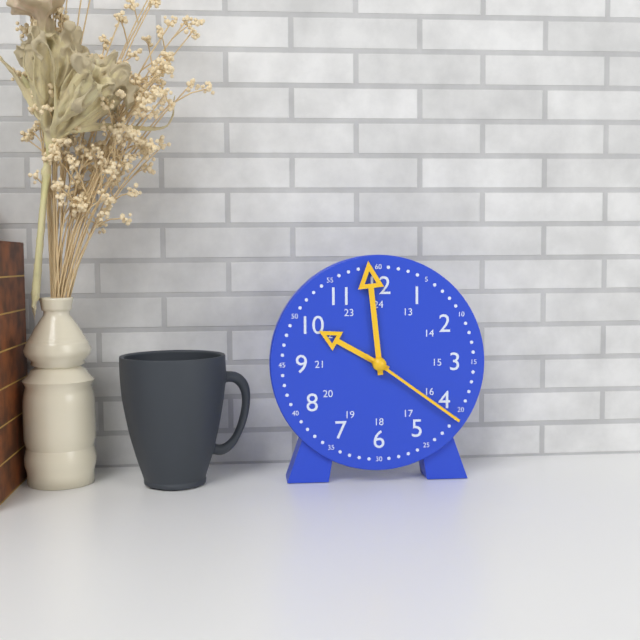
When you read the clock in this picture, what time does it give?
9:59:21
